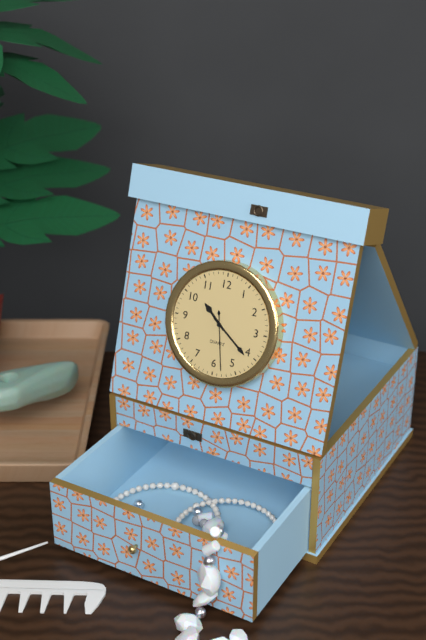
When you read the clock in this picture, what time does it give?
10:21:28
